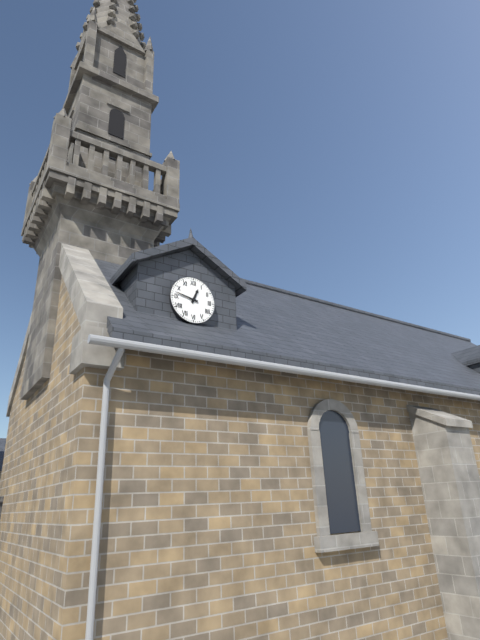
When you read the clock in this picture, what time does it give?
12:47
